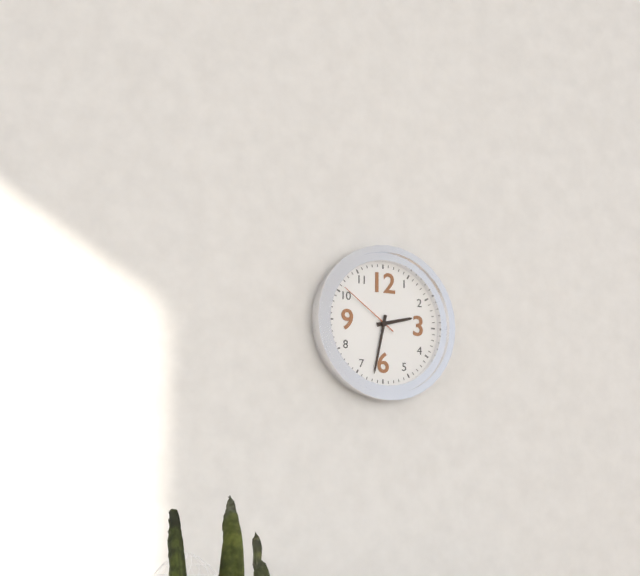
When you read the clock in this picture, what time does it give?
2:32:51
